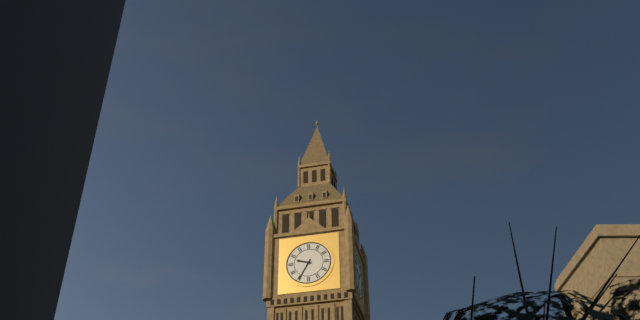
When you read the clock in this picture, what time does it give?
9:35
